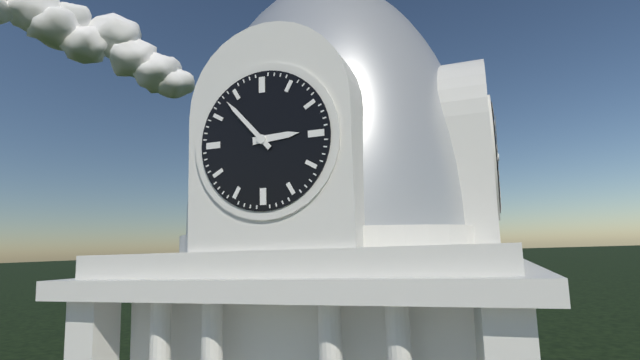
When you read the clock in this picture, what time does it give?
2:53
